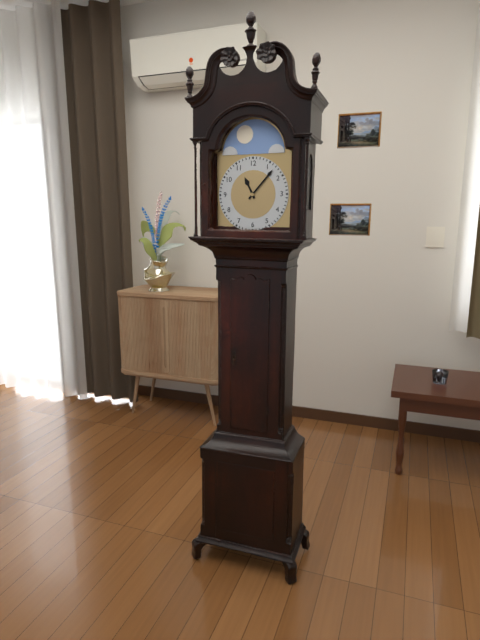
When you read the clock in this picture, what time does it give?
11:07
